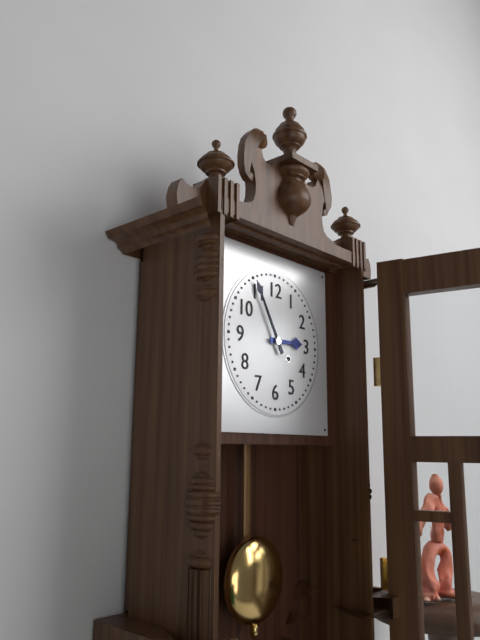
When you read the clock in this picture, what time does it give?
2:55
